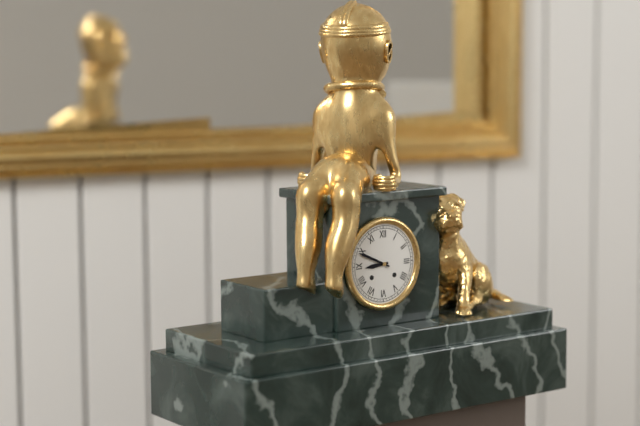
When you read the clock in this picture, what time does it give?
8:49
